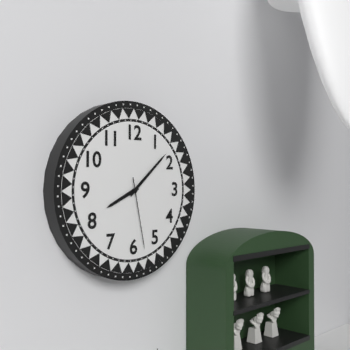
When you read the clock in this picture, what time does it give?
8:08:28
